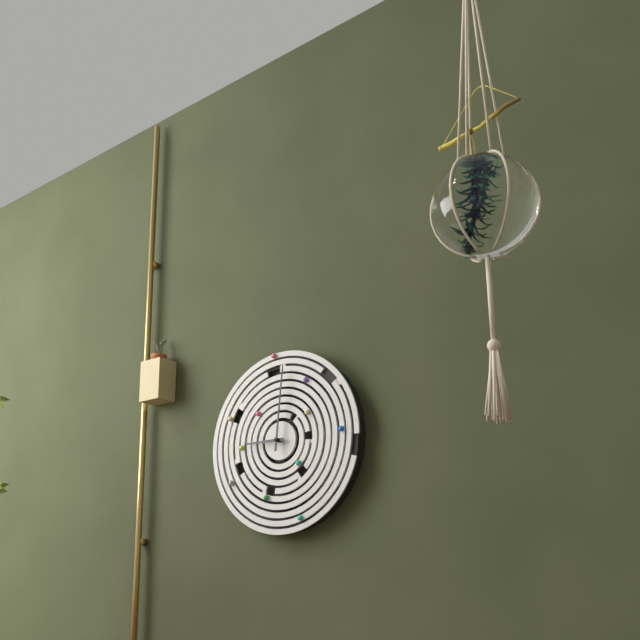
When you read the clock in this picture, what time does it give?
9:01
